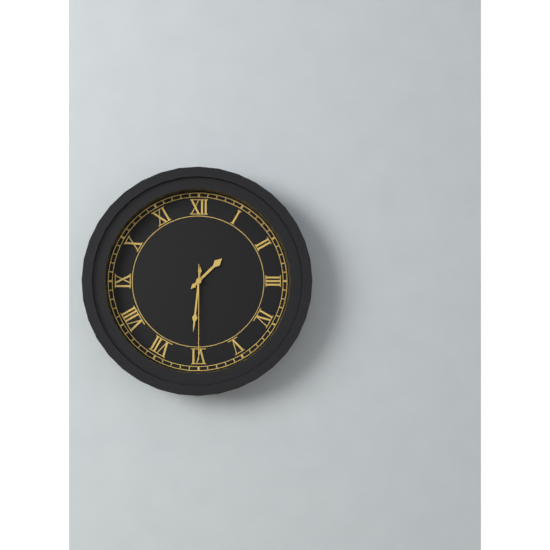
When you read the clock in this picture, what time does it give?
1:31:30
